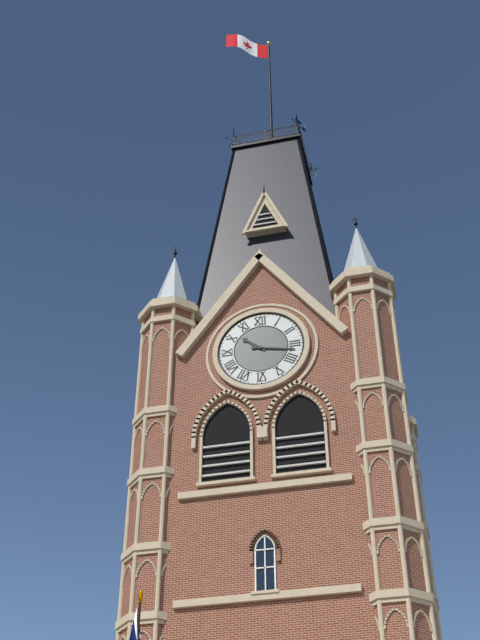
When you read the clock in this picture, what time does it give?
10:17
